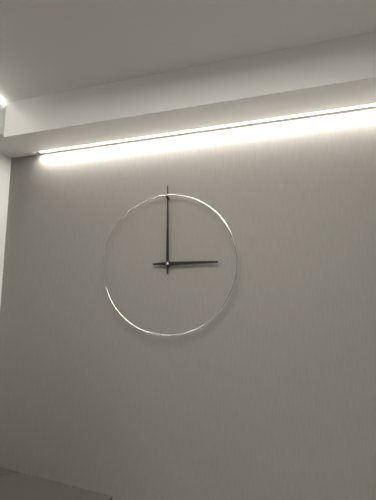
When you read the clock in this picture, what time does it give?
3:00
